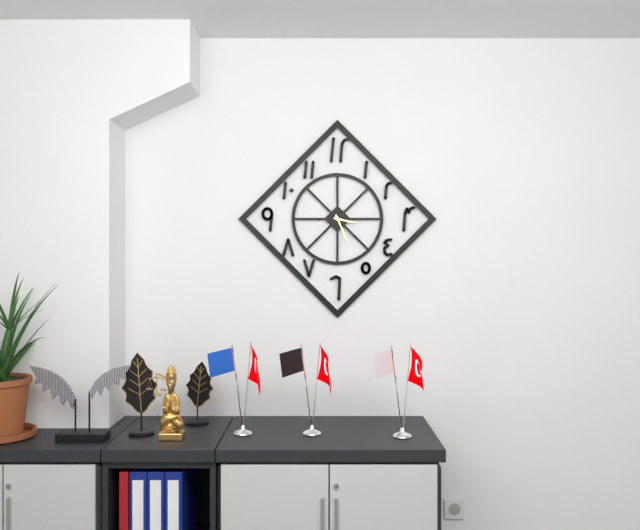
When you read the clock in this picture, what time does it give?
3:26
